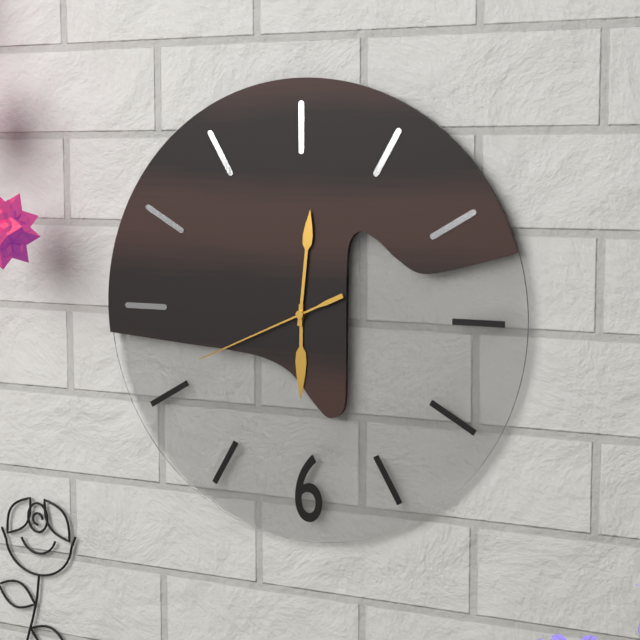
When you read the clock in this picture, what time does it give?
6:01:41
